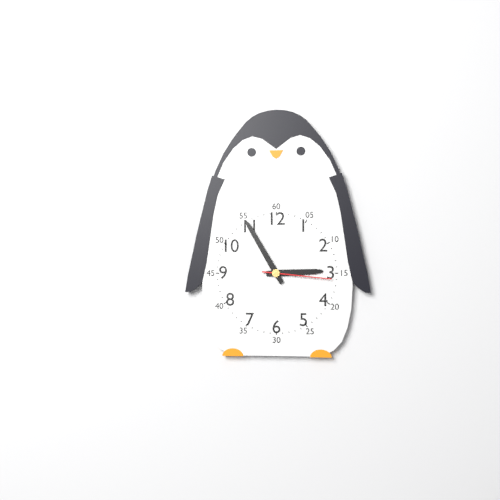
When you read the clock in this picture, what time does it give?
2:55:16
